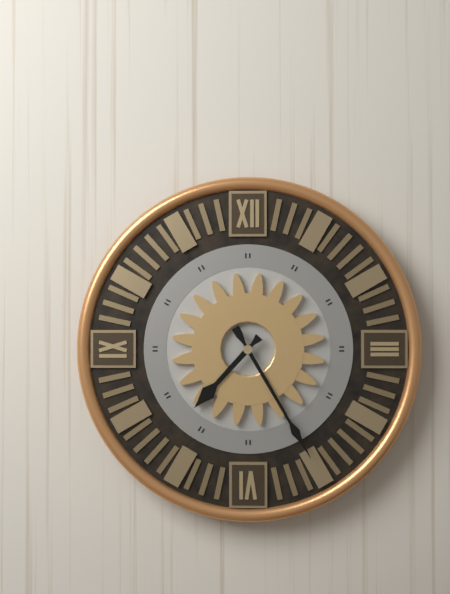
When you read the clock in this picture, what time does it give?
7:25
